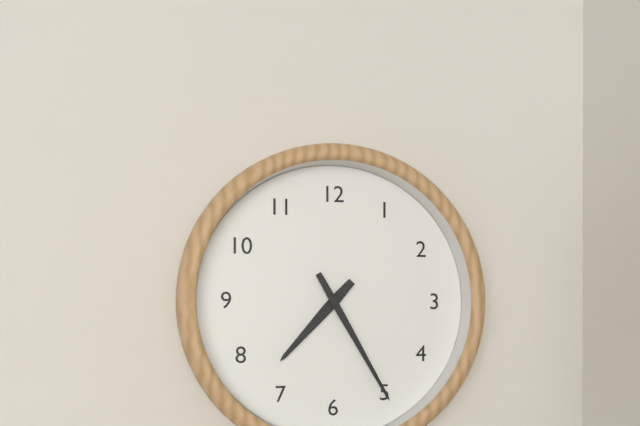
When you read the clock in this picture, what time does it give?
7:25
